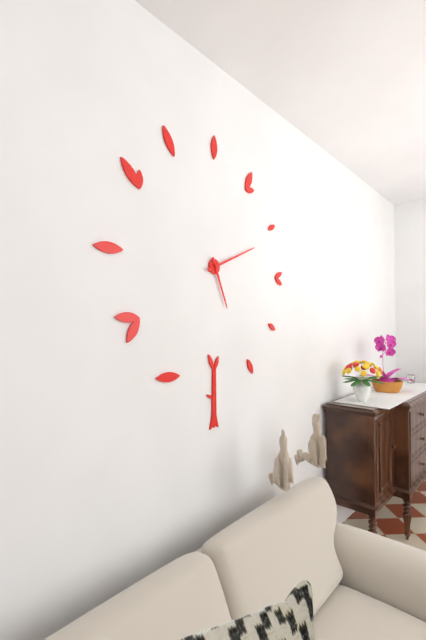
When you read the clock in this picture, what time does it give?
5:11
